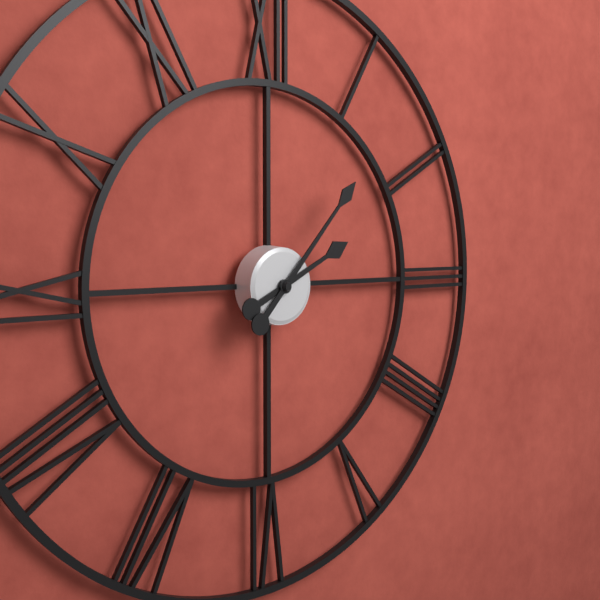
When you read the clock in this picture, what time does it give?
2:07
